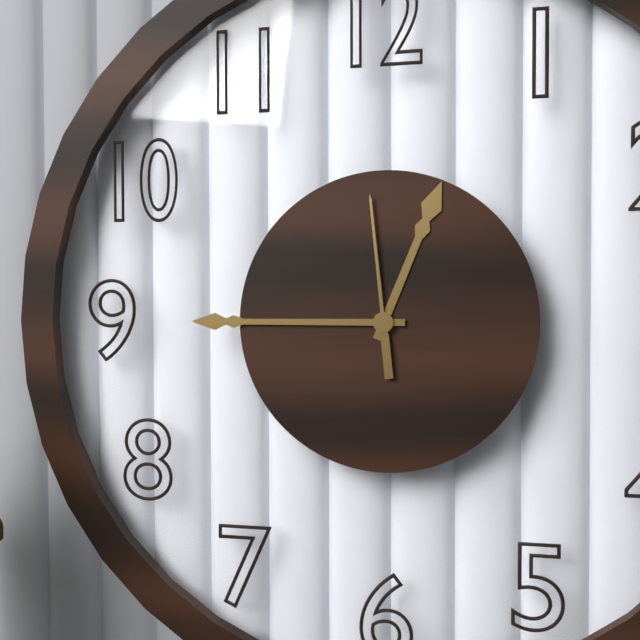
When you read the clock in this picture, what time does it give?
12:45:59
